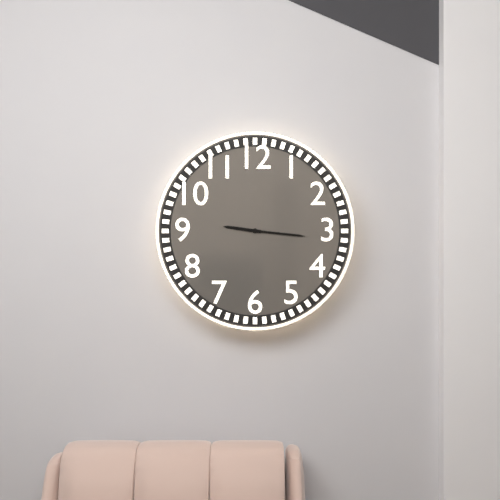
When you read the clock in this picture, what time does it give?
9:16
